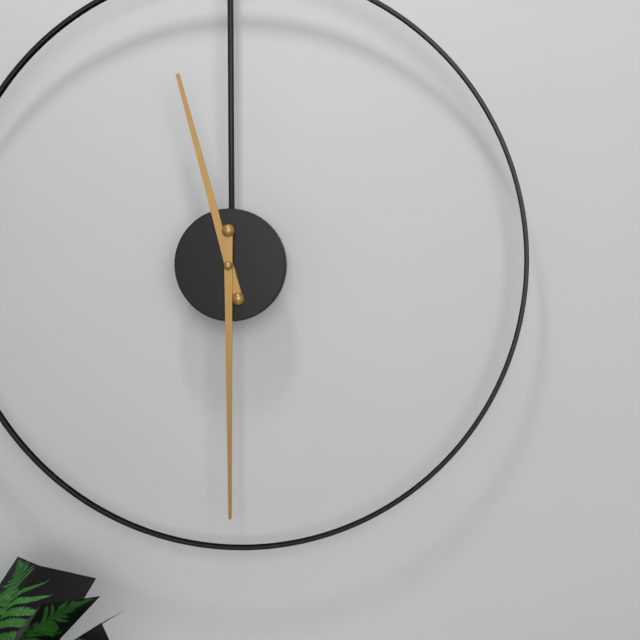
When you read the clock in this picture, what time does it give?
11:30
